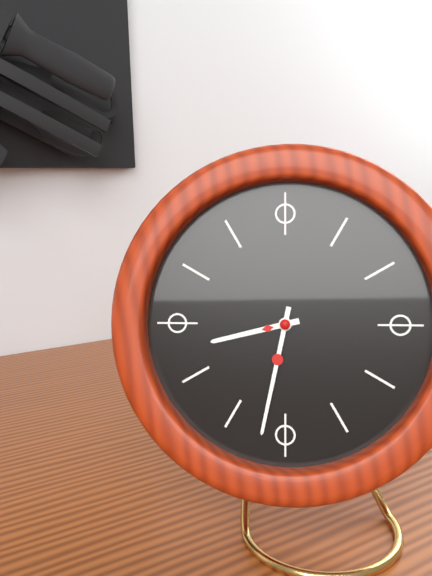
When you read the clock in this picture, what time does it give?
8:32
